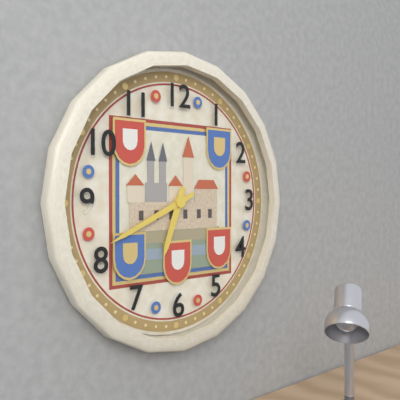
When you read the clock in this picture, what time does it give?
6:41
